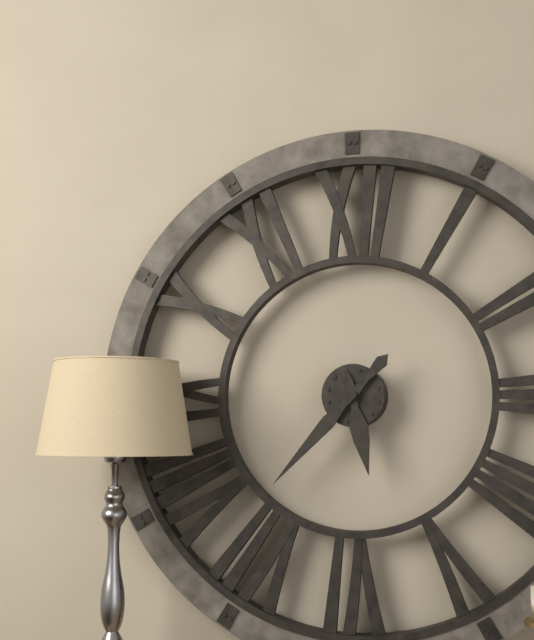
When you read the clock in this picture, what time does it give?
5:37
